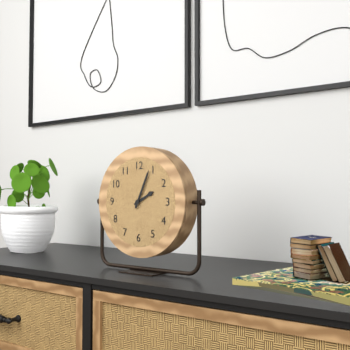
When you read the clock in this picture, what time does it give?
2:04
